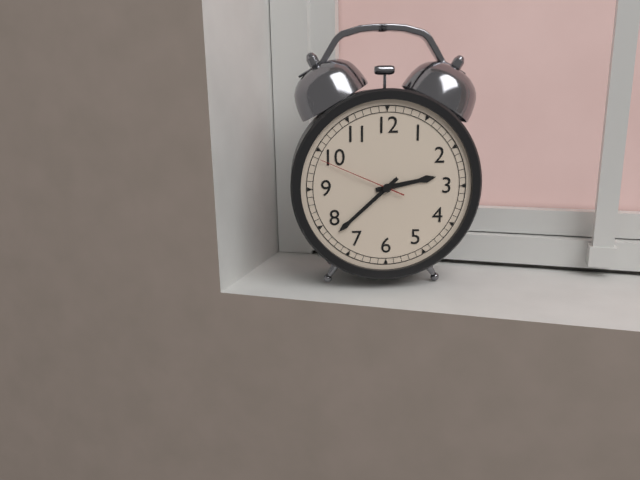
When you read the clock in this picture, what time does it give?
2:38:49
